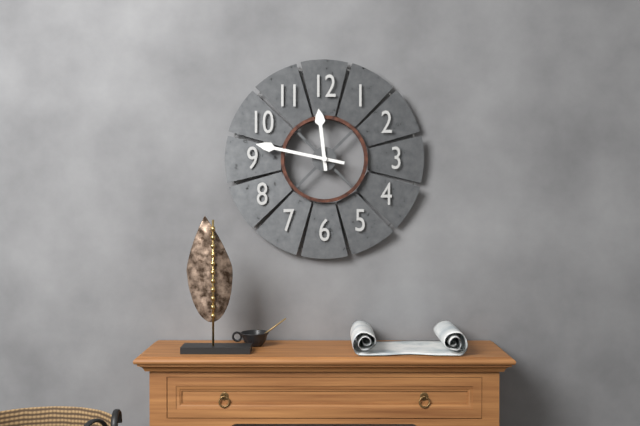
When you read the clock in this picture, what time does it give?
11:47
